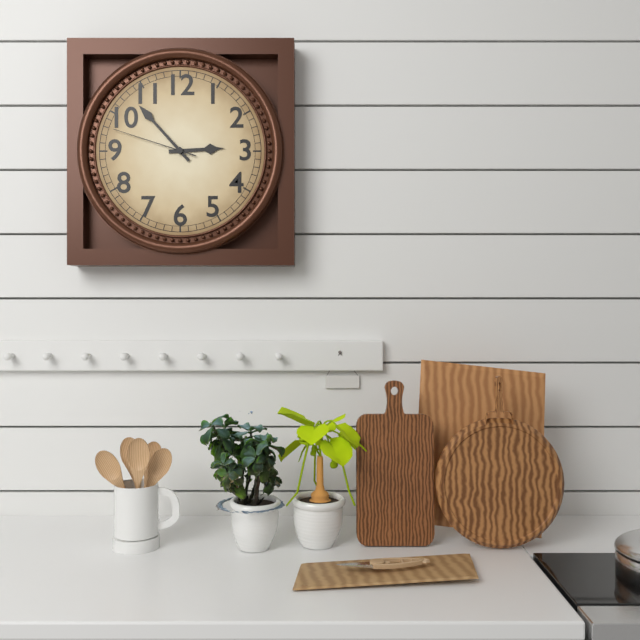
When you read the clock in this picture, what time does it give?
2:53:48
